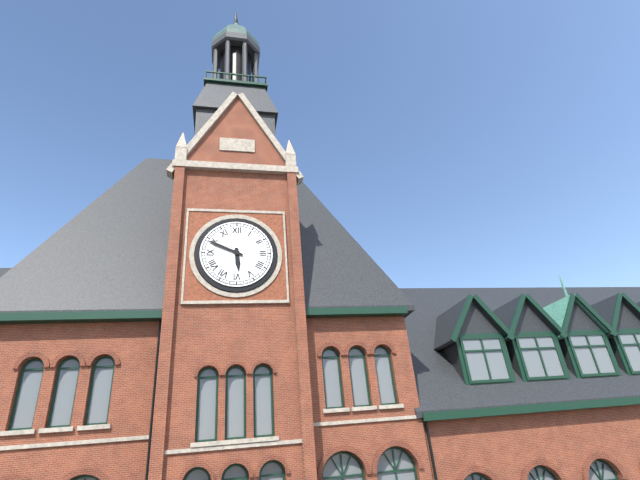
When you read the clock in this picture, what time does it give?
5:49
